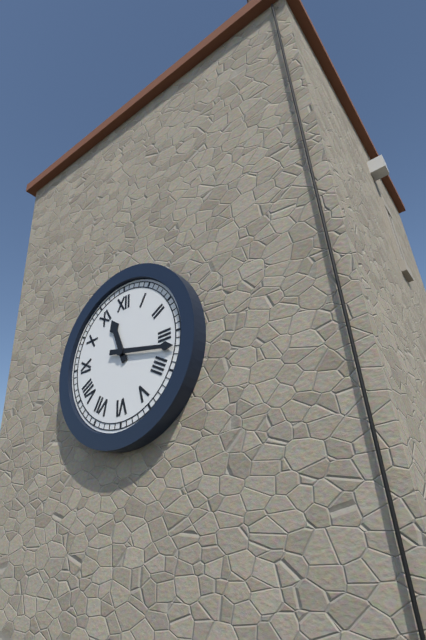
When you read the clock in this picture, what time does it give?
11:17
